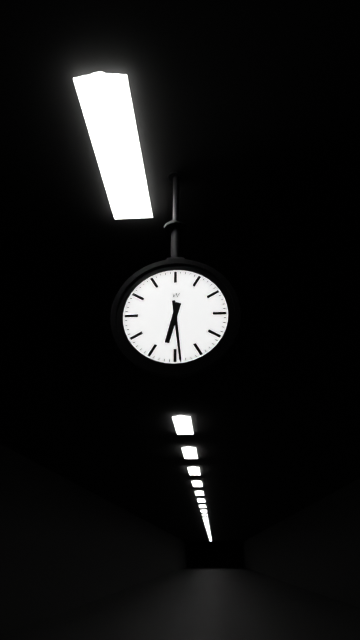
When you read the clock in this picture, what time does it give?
6:29
